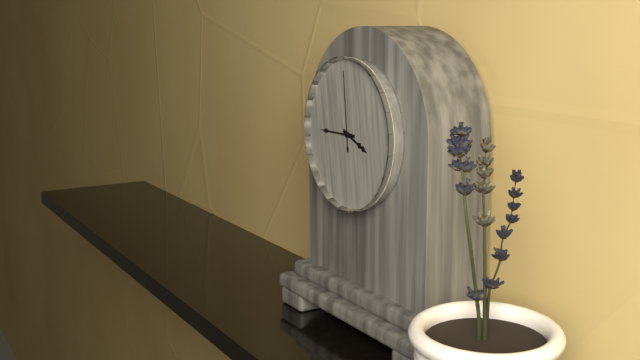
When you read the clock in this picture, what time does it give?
3:45:59
